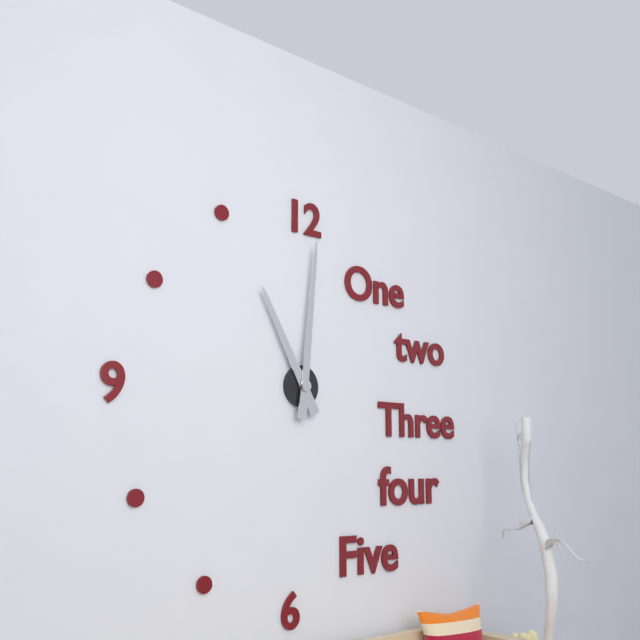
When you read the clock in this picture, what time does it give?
11:01
